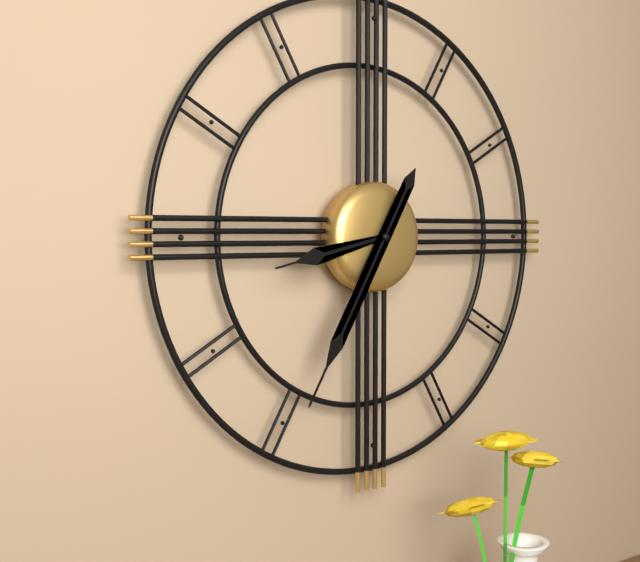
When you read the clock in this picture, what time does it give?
8:35
